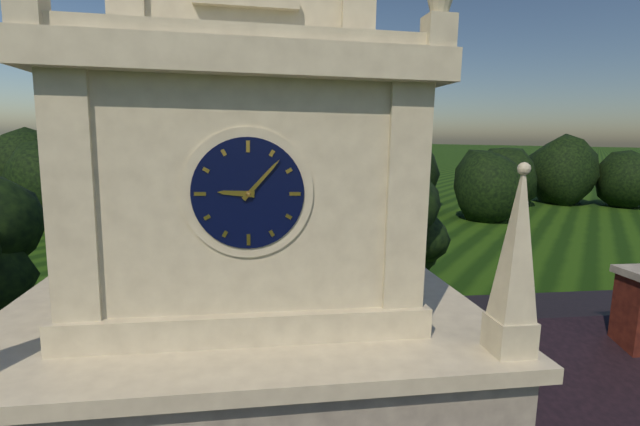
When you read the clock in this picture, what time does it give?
9:07
